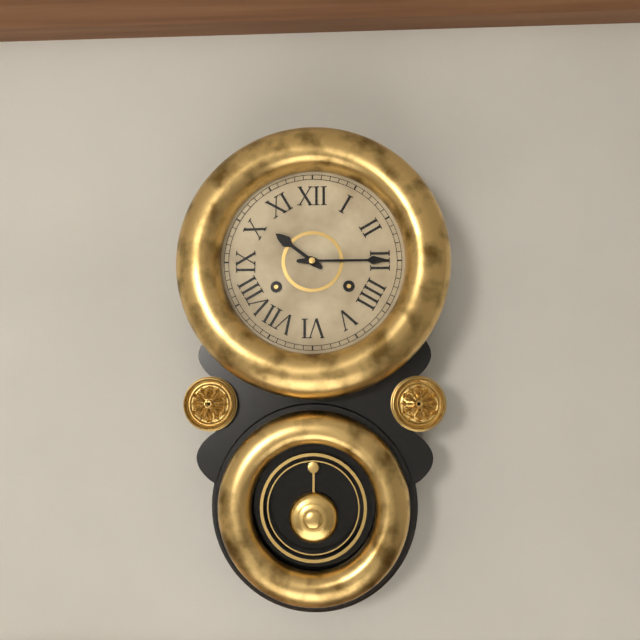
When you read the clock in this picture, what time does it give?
10:15
